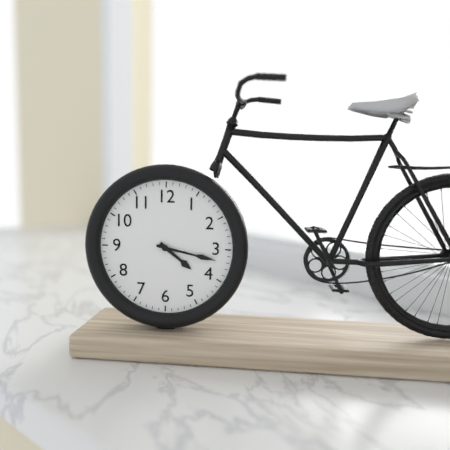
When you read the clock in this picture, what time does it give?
4:17
